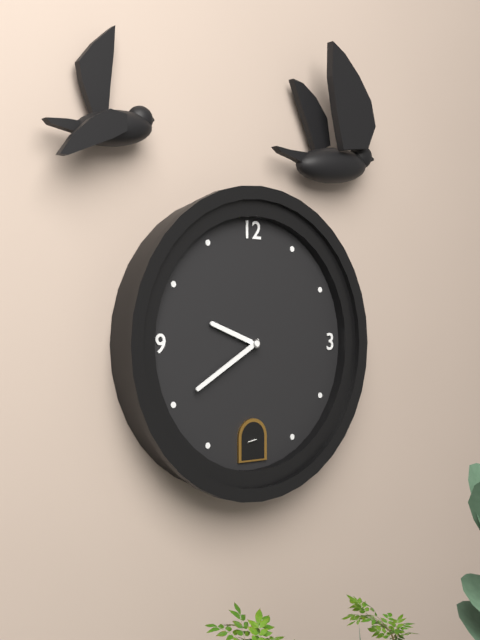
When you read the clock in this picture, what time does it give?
9:40
